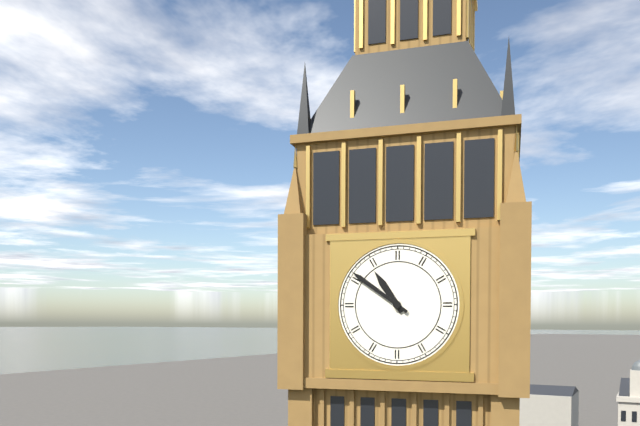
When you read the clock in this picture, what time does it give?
10:51
